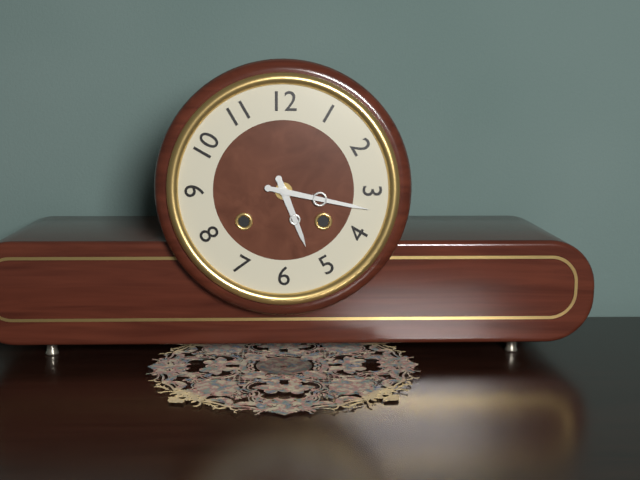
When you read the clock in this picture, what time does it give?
5:17
